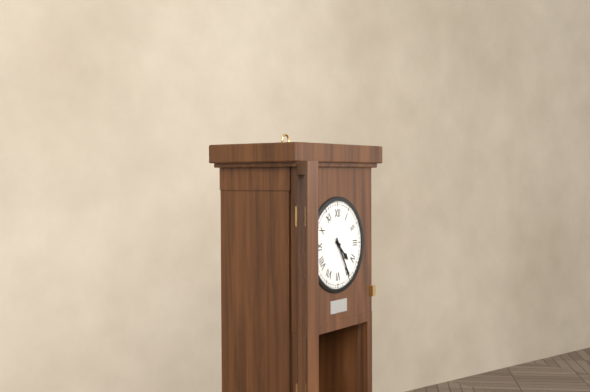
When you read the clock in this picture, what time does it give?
4:25
